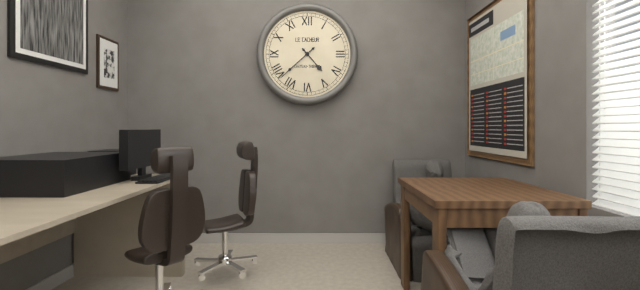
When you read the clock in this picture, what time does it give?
4:38
